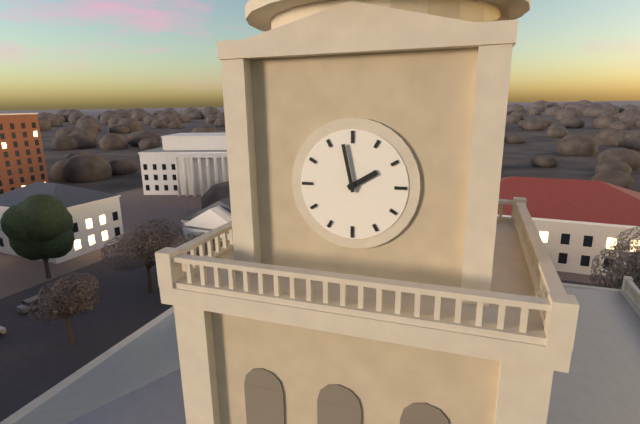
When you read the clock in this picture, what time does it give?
1:58
